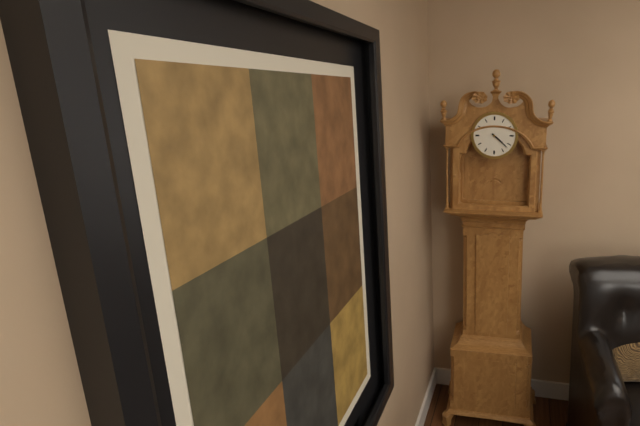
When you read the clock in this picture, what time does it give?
4:22
